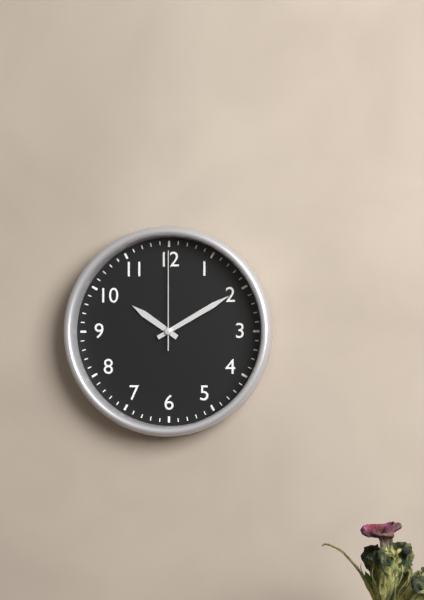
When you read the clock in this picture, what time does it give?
10:10:00
